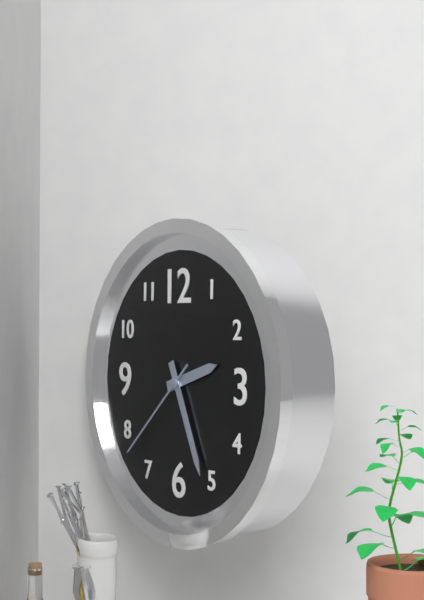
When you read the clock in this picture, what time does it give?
2:26:38
